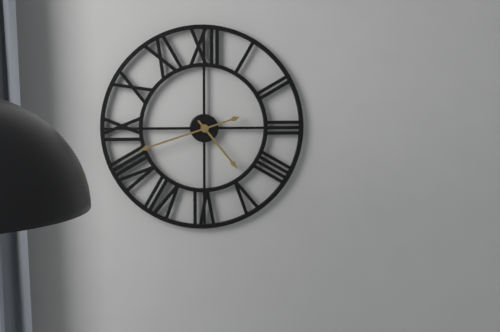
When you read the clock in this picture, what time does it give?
4:42
